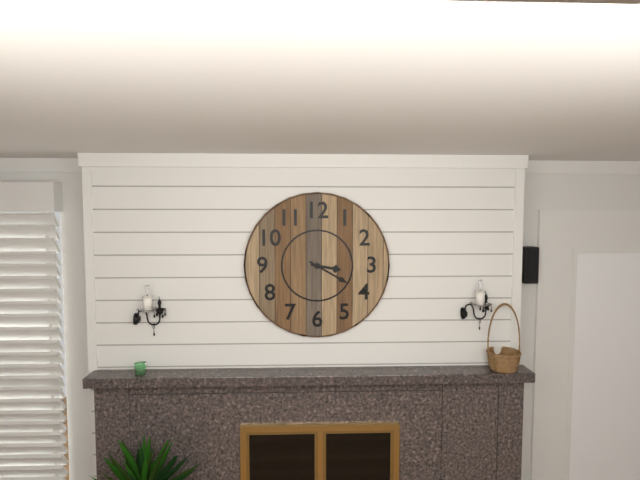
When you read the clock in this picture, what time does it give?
3:20
